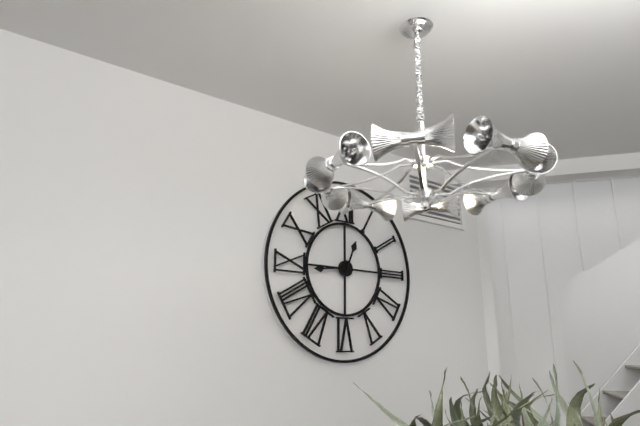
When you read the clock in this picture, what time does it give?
12:44
